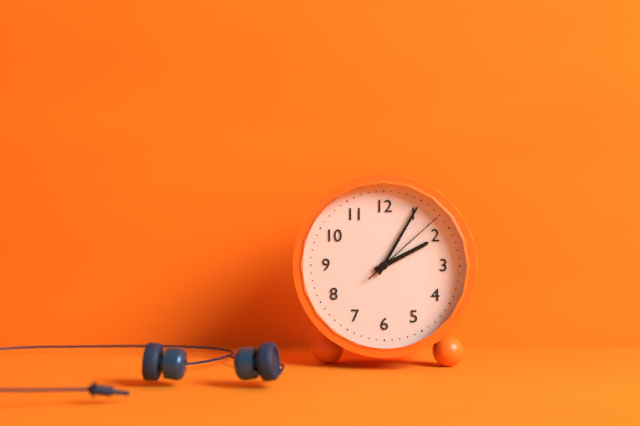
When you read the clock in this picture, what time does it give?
2:05:08
